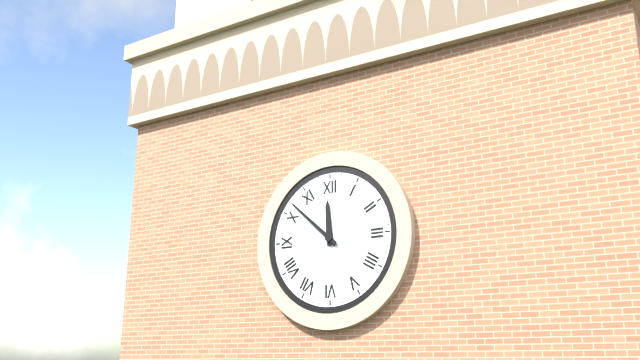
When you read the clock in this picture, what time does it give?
11:52
